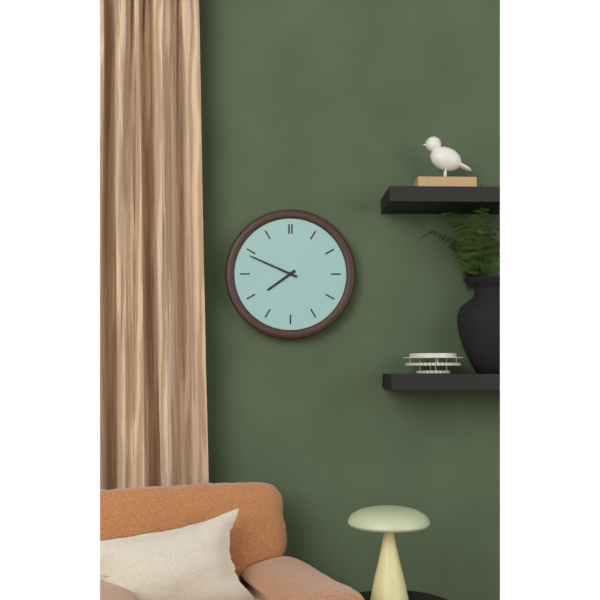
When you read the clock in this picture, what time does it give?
7:49
